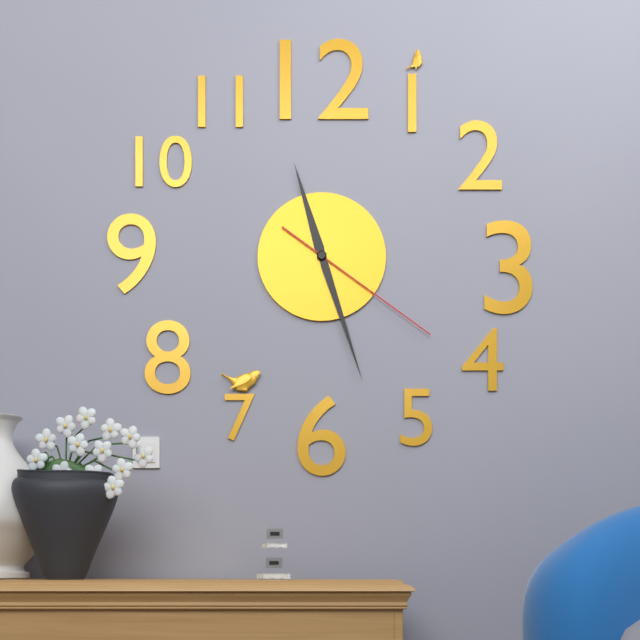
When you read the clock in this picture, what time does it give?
11:27:21
